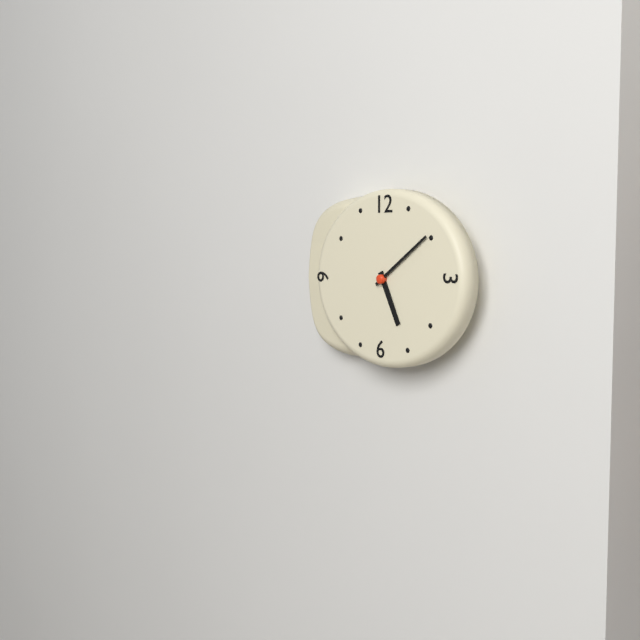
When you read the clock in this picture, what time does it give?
5:09
